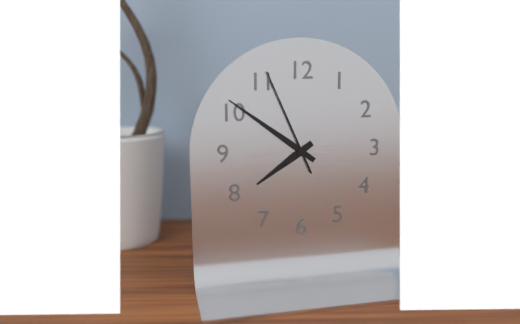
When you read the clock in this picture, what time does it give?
7:51:56
